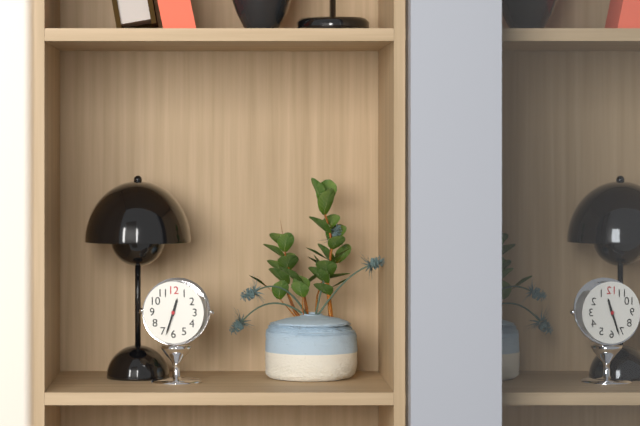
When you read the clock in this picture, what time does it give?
12:33
